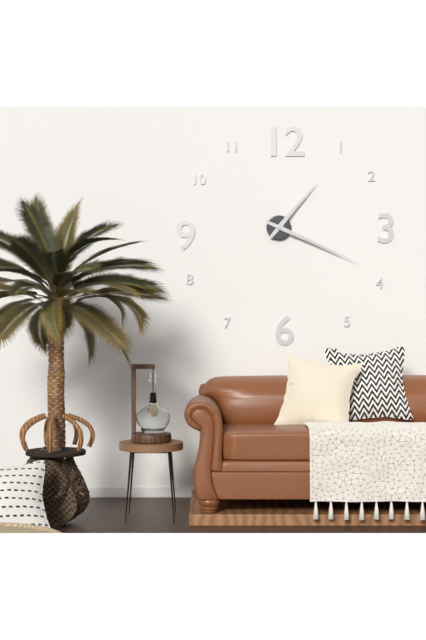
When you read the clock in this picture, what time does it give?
1:19
